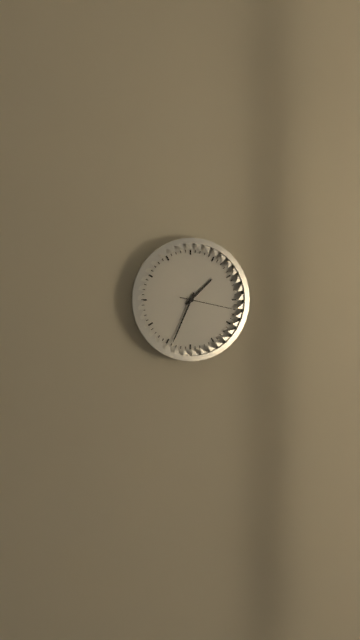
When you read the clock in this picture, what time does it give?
1:34:17
